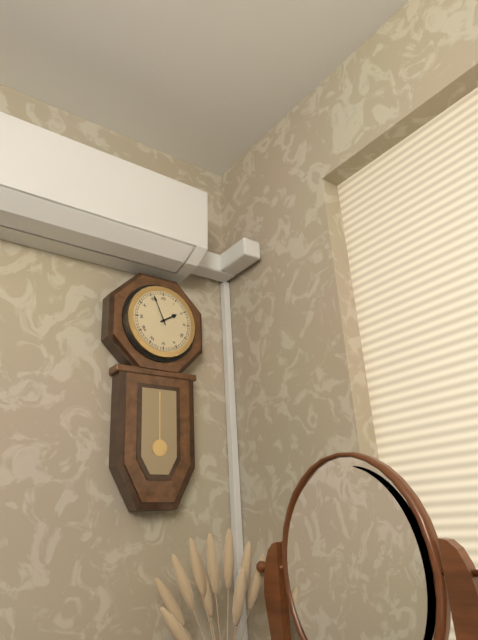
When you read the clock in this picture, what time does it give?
1:56
